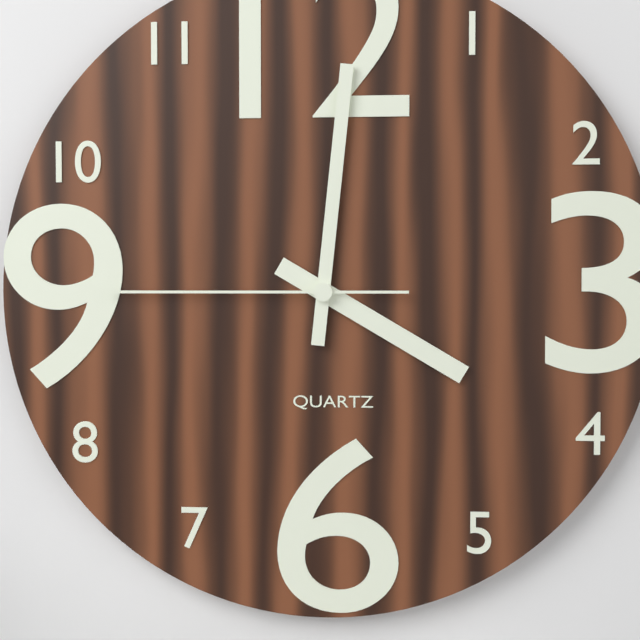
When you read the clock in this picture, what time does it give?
4:01:45
